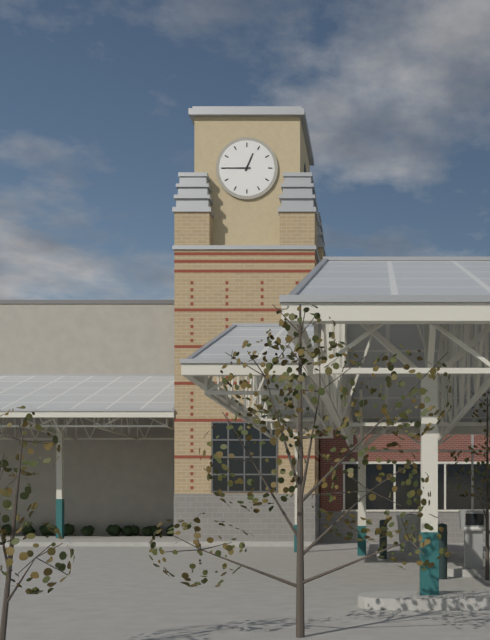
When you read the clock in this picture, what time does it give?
12:45
